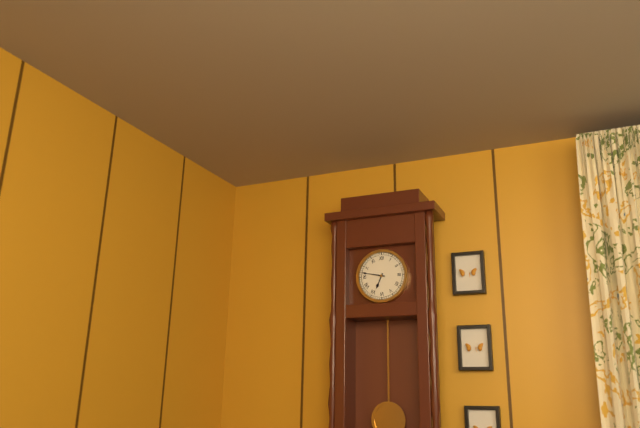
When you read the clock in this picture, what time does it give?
6:47
